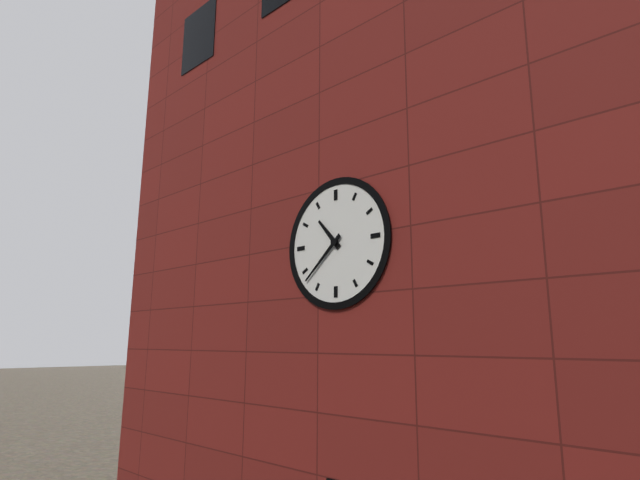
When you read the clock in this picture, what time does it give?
10:38
